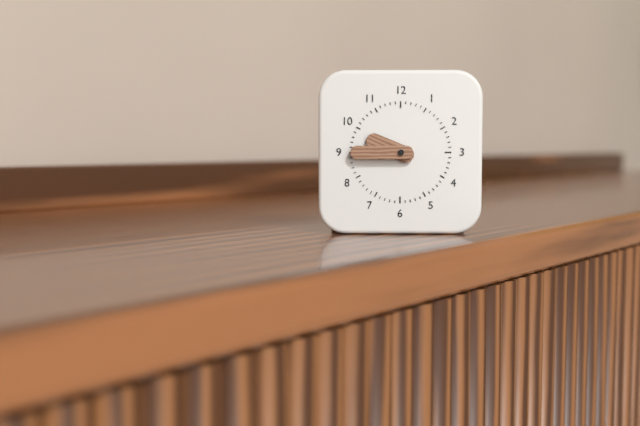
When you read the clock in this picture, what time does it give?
9:45
